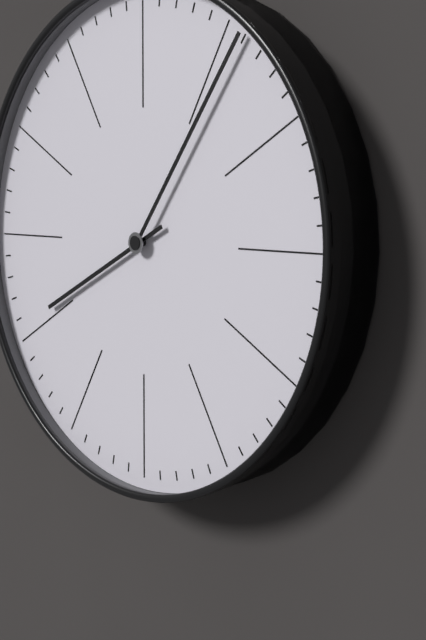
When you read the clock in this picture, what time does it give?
8:06
